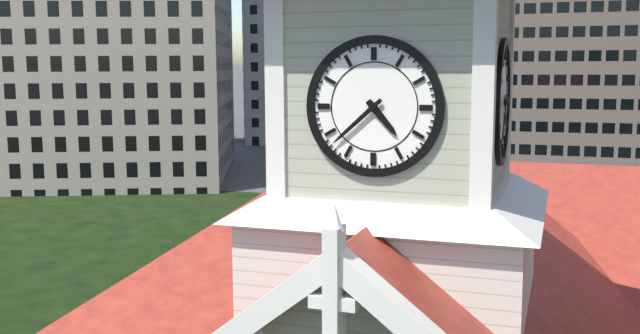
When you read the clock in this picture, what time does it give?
4:38
